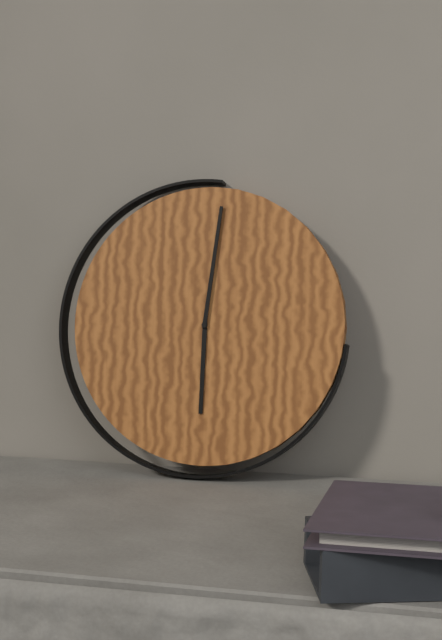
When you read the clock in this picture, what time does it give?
6:01
